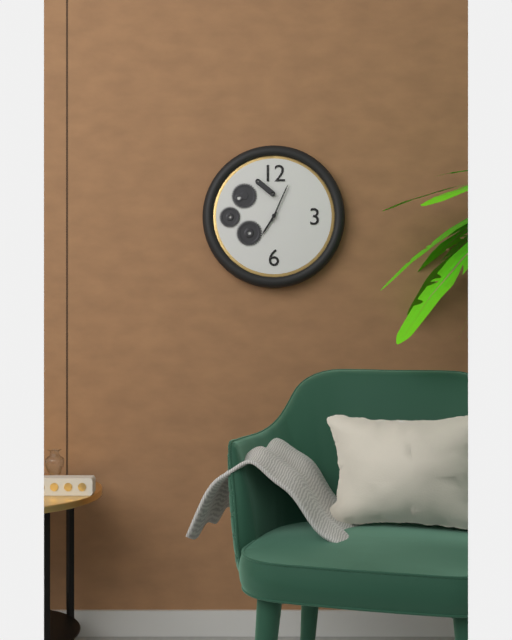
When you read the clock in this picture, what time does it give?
7:04
